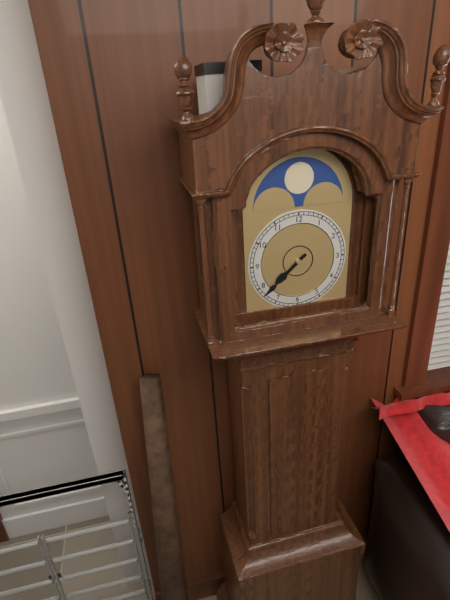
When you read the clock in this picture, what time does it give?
7:38
